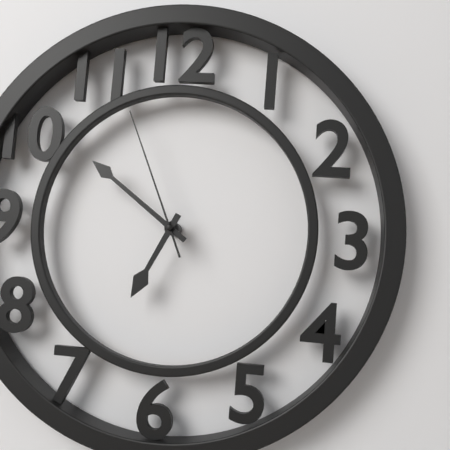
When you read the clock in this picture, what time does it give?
6:51:56
